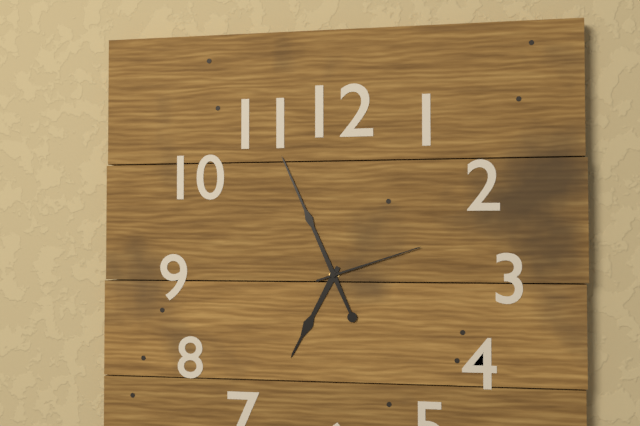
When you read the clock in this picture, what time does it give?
6:56:12
